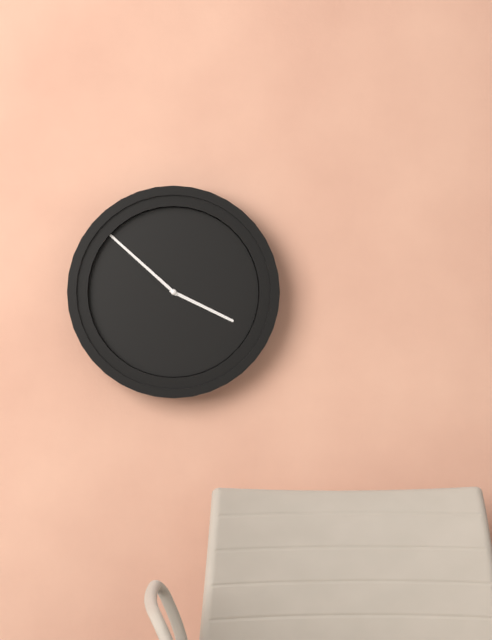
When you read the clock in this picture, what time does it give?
3:52
